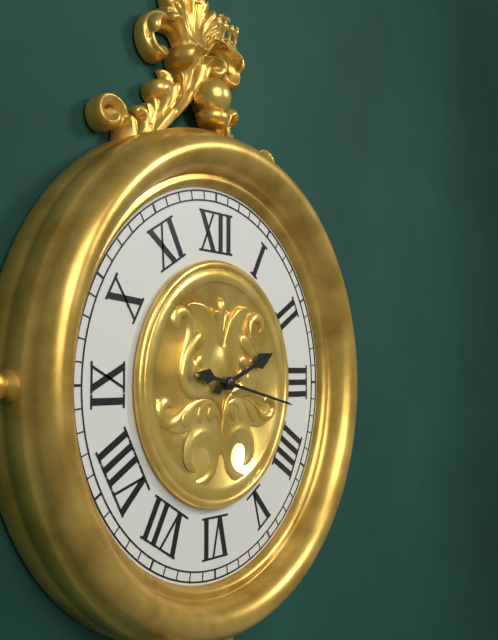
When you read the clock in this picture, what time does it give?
2:17
